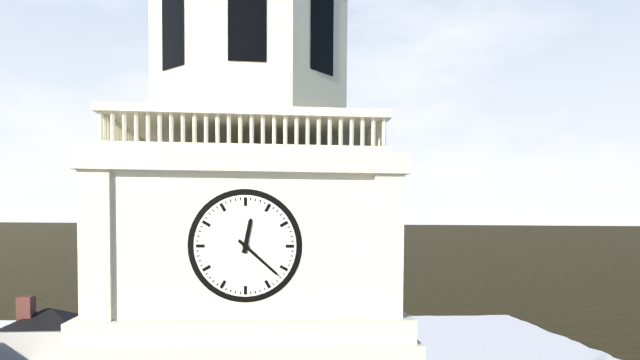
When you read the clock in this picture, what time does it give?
12:22
